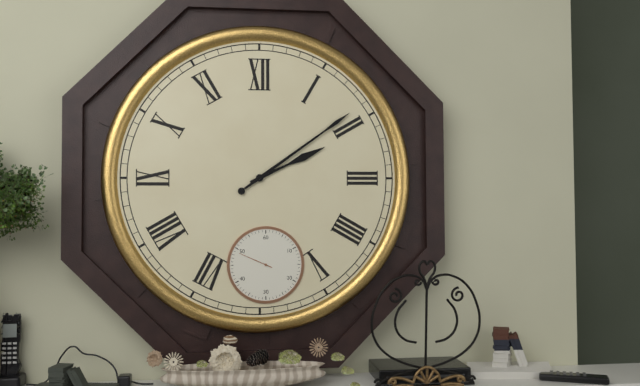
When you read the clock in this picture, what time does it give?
2:09
